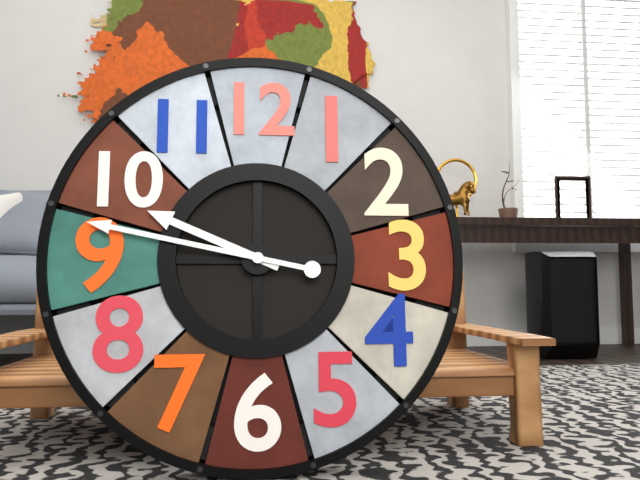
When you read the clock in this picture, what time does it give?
9:47
